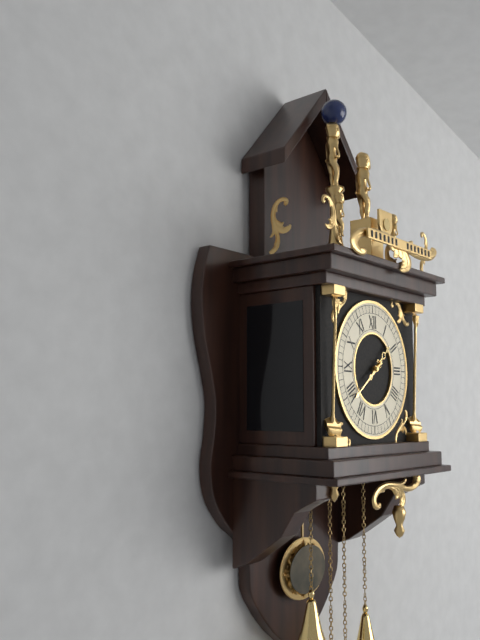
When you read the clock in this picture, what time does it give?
1:39
